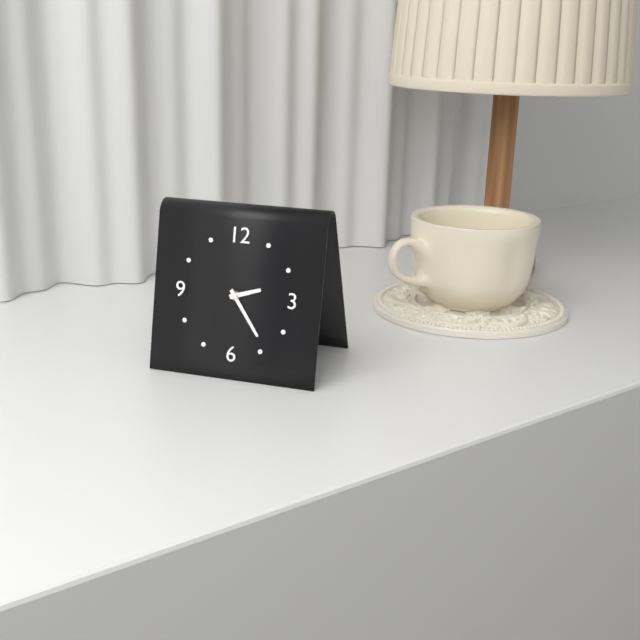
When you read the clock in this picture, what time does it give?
2:24
